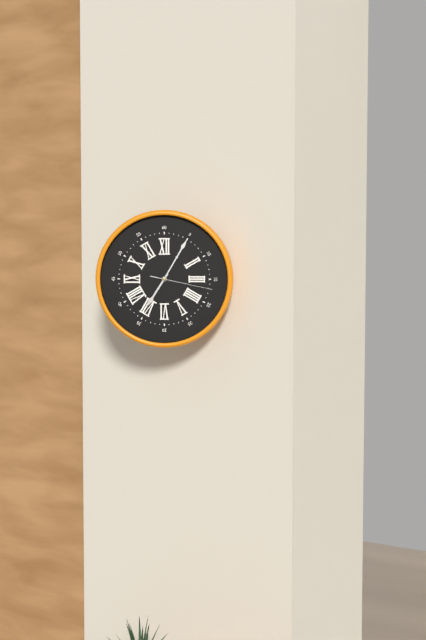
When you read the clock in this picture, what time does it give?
7:05:17
